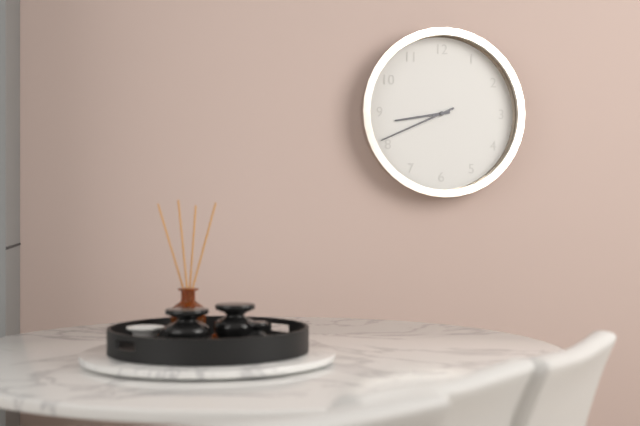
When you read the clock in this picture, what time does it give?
8:41
